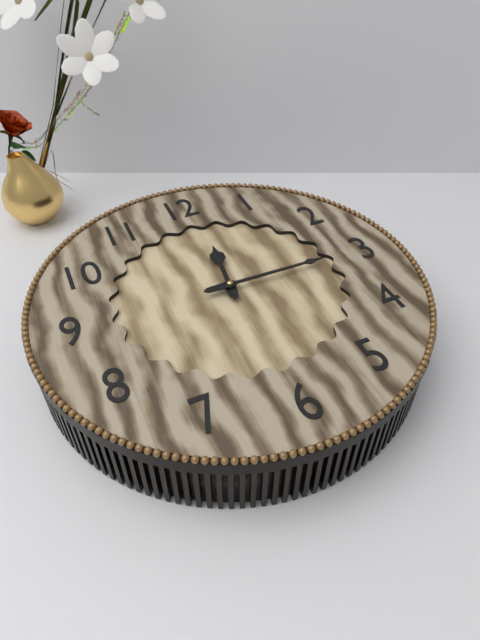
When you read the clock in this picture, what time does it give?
12:15
